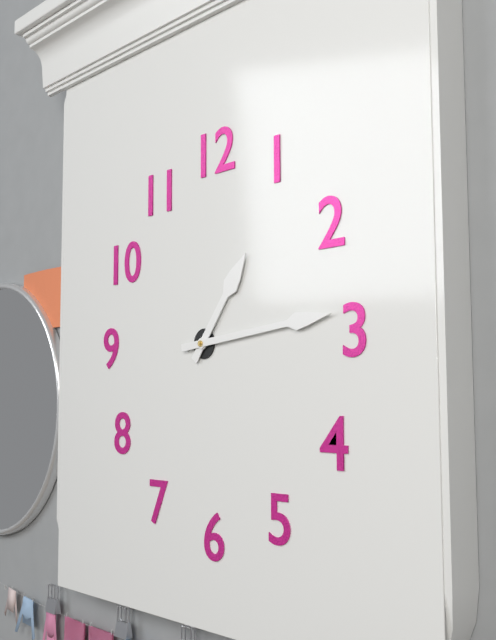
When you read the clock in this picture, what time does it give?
1:14
